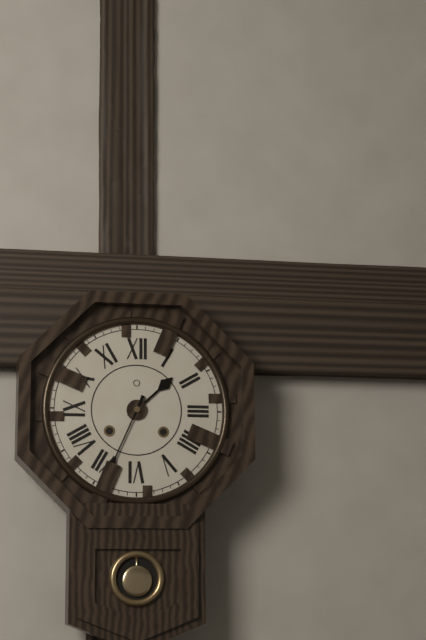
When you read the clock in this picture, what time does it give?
1:34
